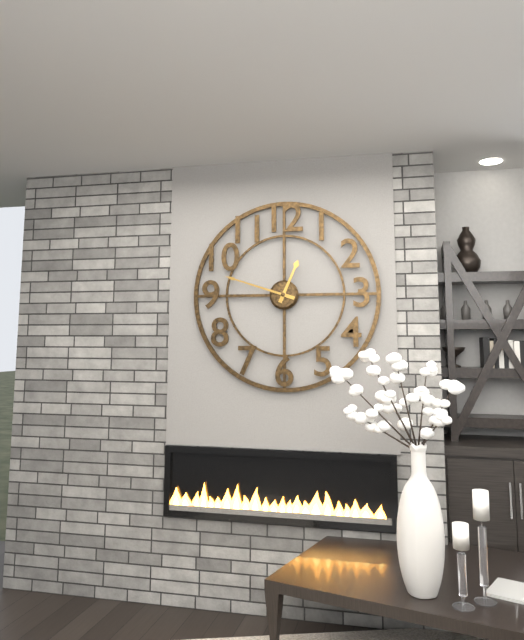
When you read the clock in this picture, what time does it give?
12:48
